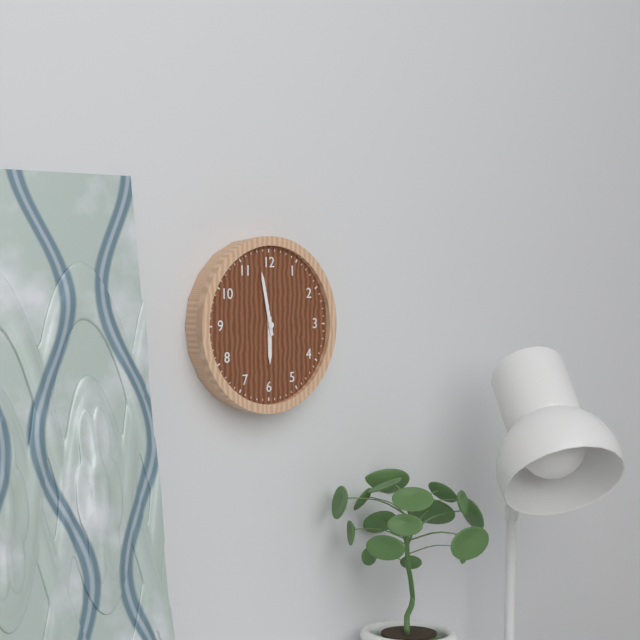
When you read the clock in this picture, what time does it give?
5:58
